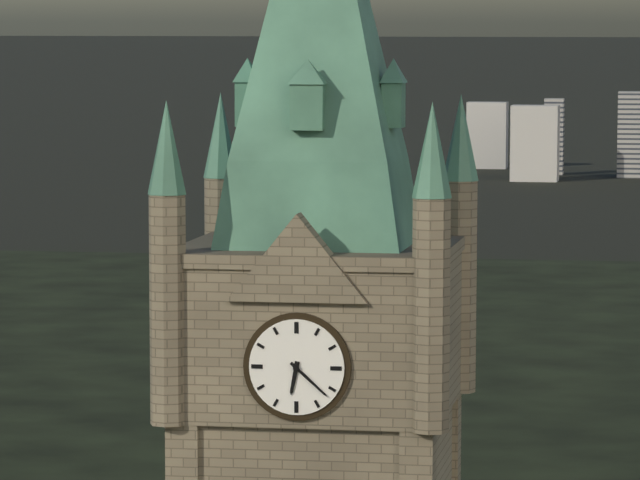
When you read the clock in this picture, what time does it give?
6:22
